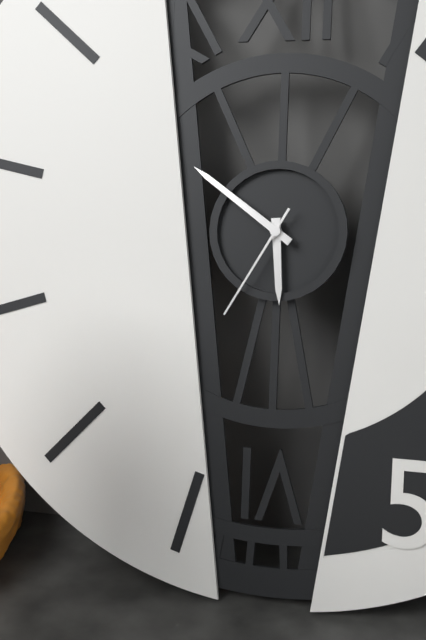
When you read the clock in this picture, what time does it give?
5:51:35
